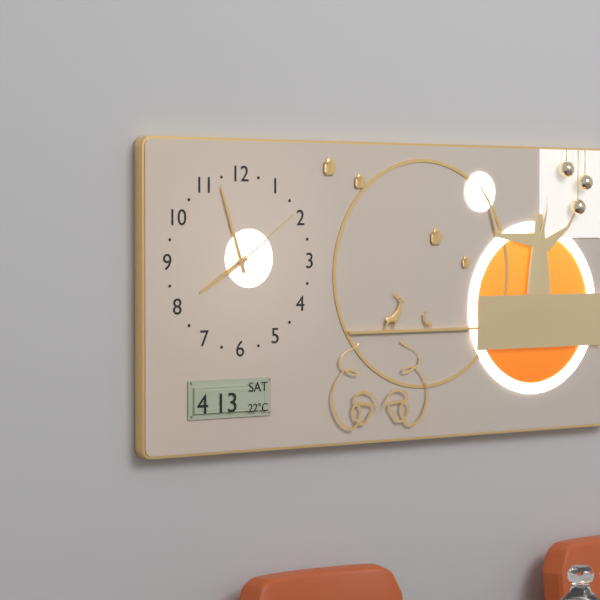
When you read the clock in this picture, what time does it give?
7:57:09
